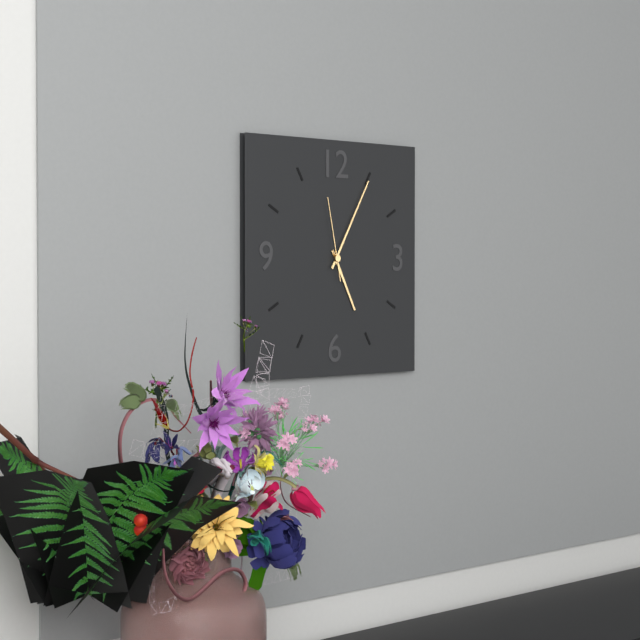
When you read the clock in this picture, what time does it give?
5:05:58
